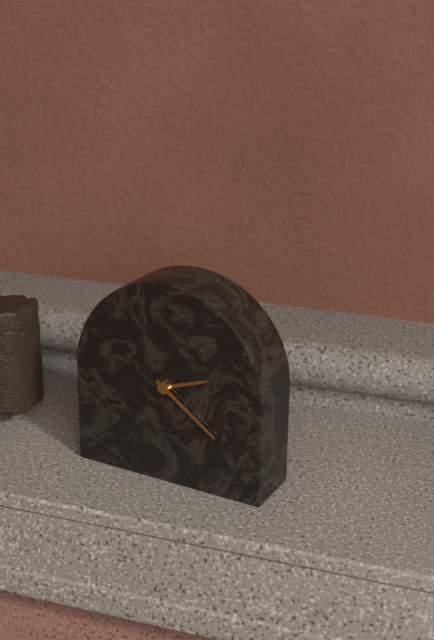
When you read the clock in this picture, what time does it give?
2:21
